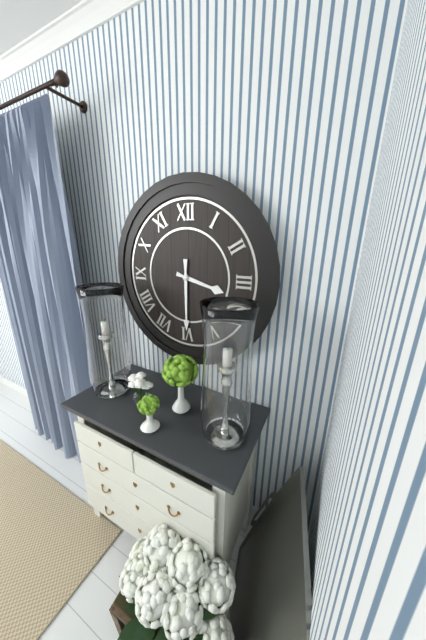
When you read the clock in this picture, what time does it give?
3:30
